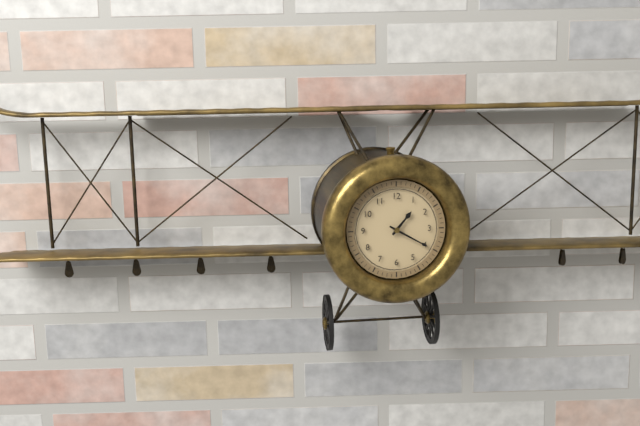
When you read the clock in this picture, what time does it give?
1:20
